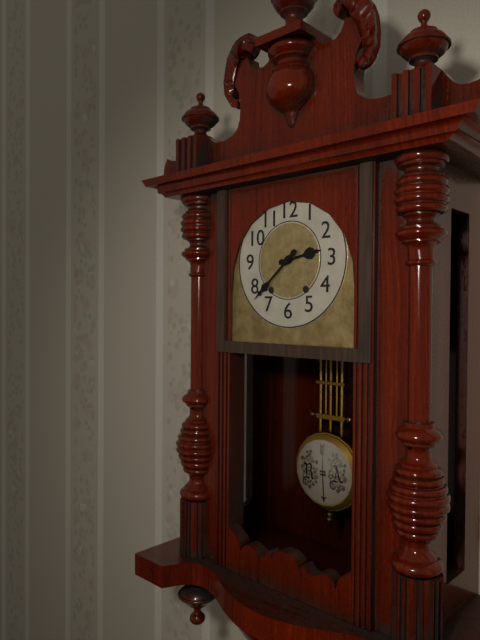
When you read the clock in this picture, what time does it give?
2:38
